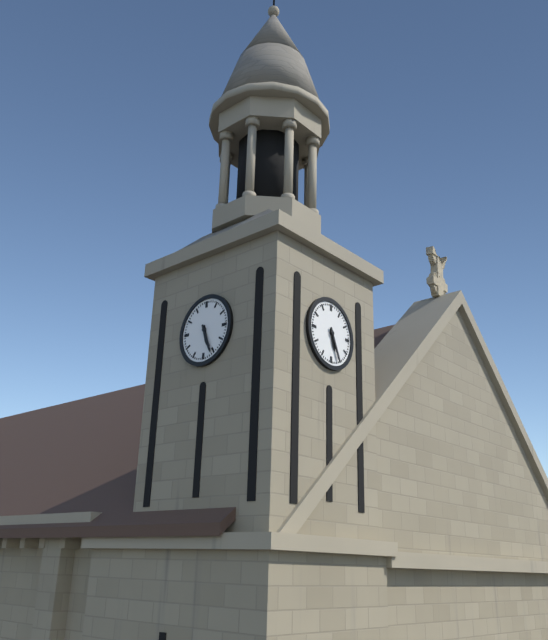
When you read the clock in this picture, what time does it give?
5:26
